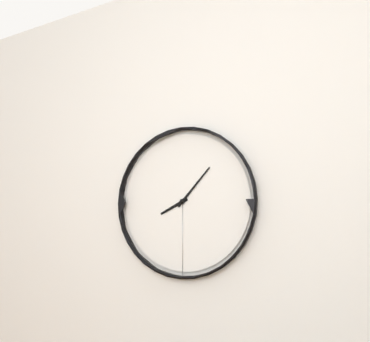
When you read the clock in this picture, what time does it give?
8:07
